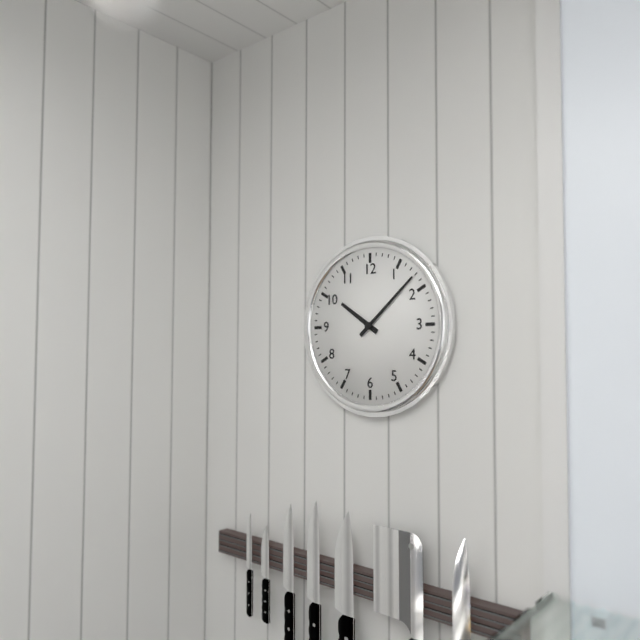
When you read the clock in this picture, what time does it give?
10:08
